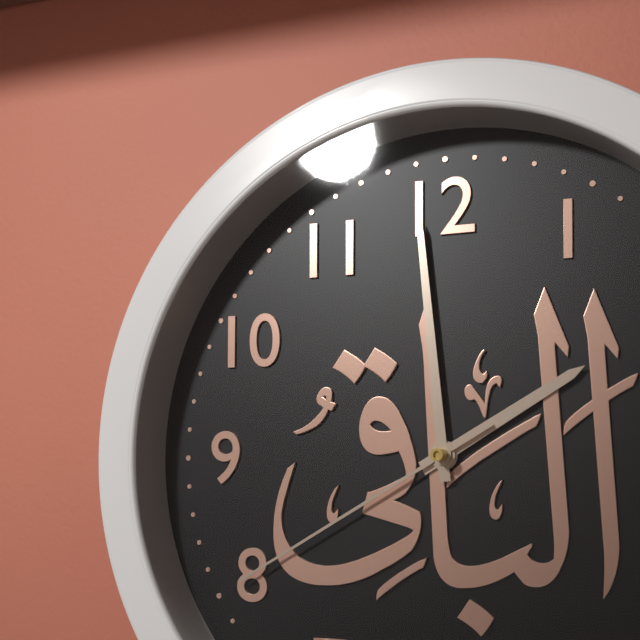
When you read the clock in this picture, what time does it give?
1:59:40
